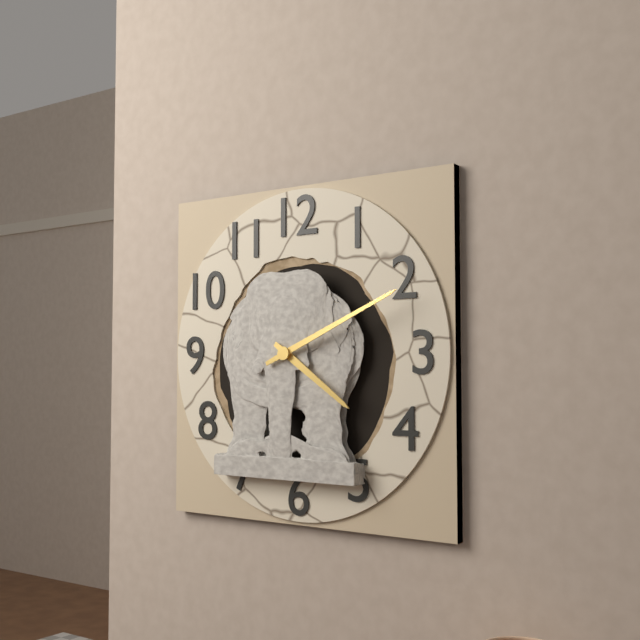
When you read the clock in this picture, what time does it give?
4:11
